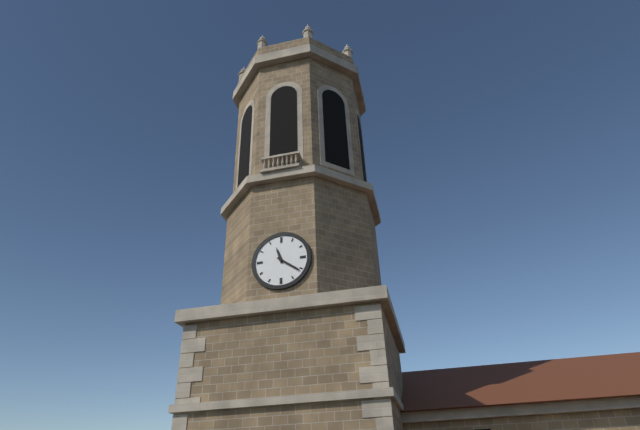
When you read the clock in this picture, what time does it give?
11:21
